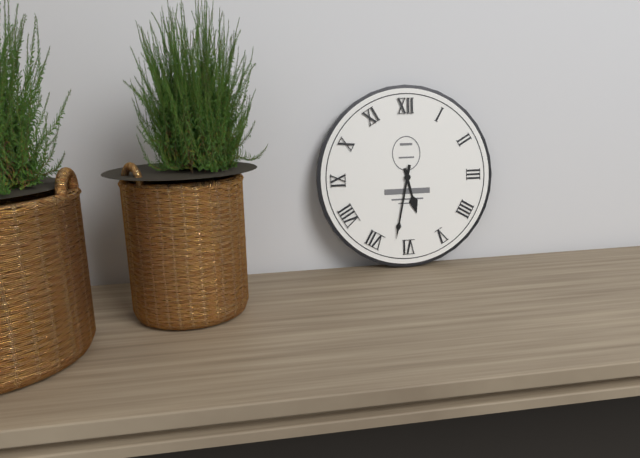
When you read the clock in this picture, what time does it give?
5:32
